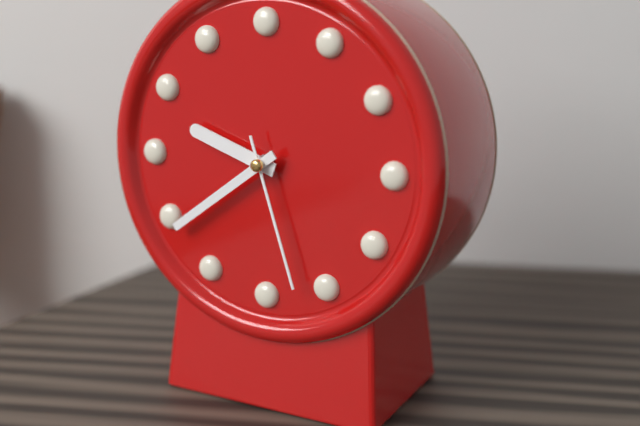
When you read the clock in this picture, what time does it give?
9:39:27
